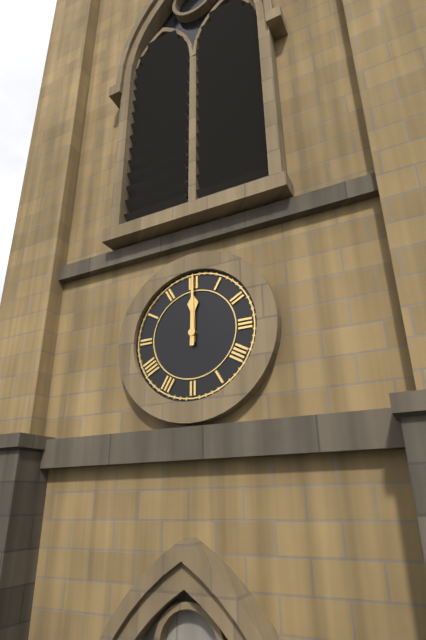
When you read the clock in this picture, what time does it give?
12:00
